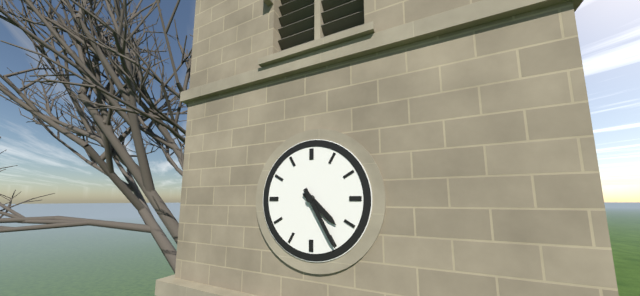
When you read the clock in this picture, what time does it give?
4:25
